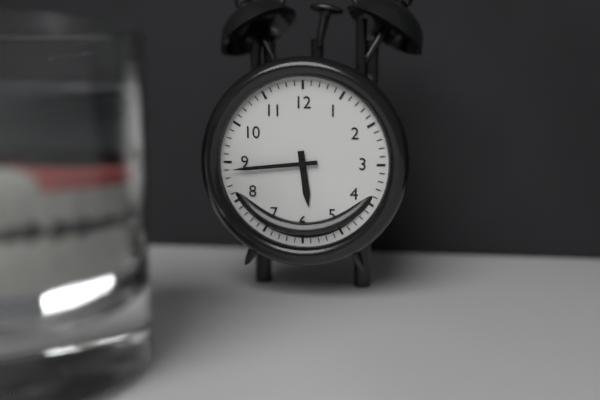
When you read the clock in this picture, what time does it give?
5:44
